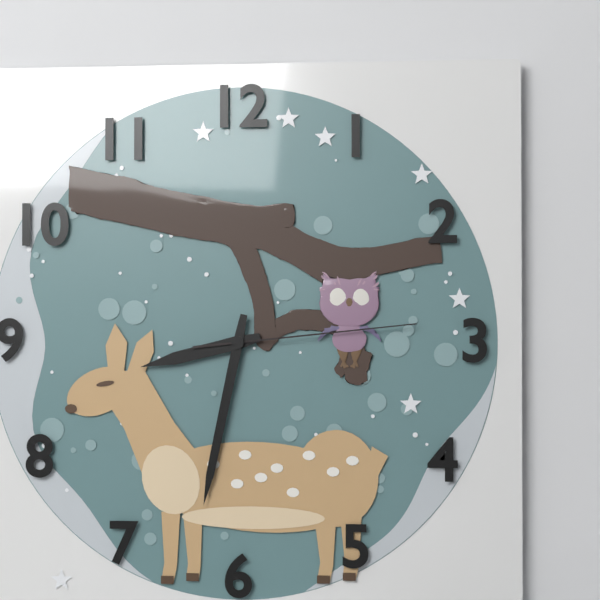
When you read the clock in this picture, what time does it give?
8:32:14
